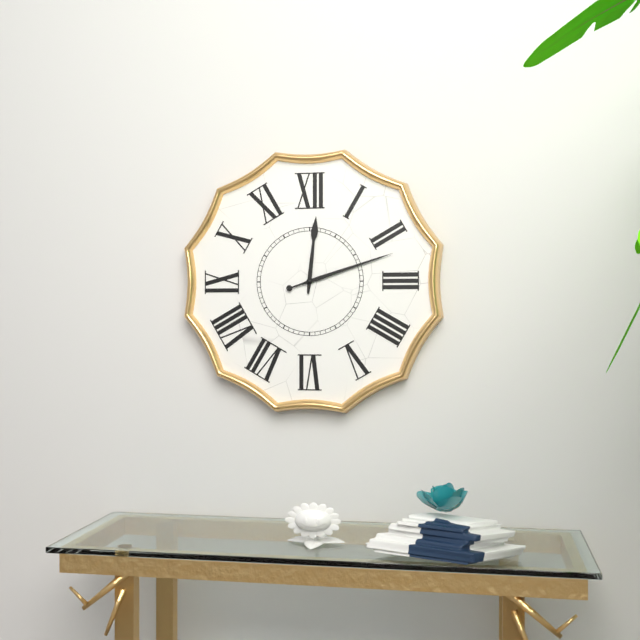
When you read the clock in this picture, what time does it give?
12:12
